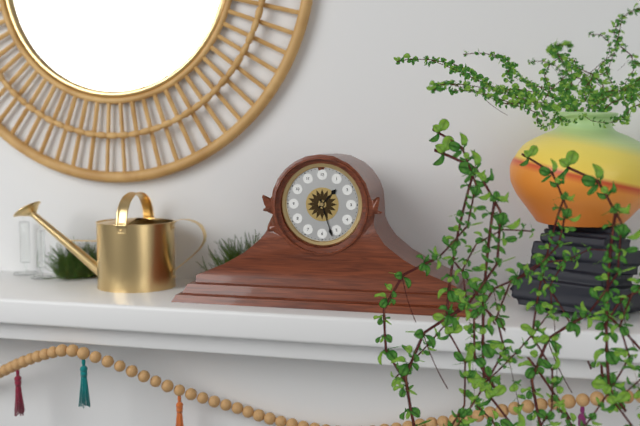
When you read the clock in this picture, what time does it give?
1:27
